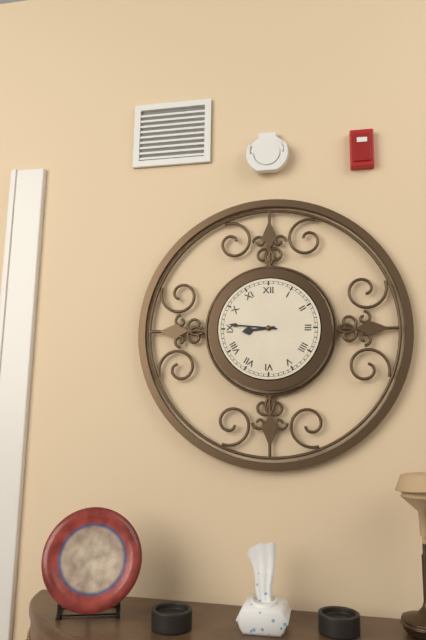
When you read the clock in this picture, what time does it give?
8:46
